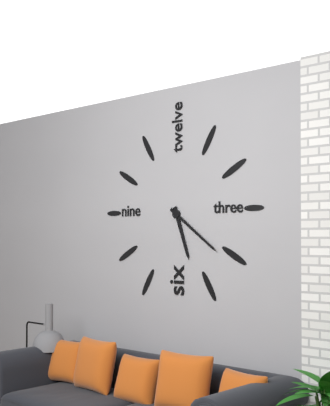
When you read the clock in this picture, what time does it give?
5:21
